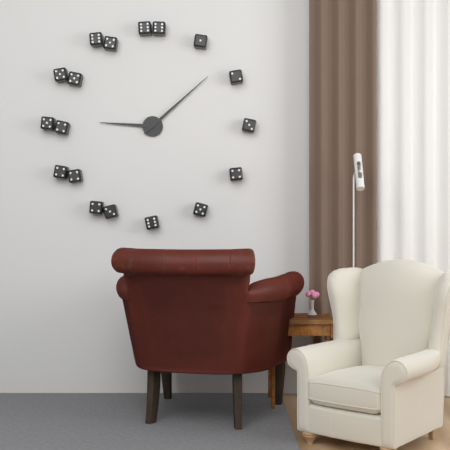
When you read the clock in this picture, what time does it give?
9:08
